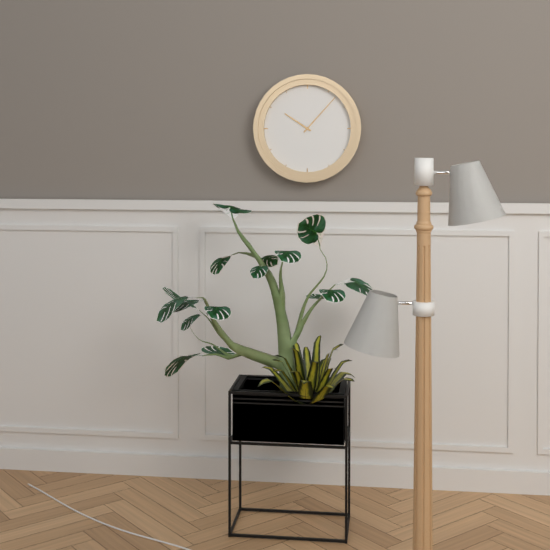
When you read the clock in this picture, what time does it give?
10:07
